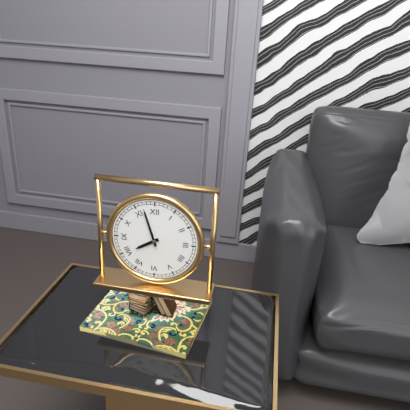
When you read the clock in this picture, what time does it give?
7:57
